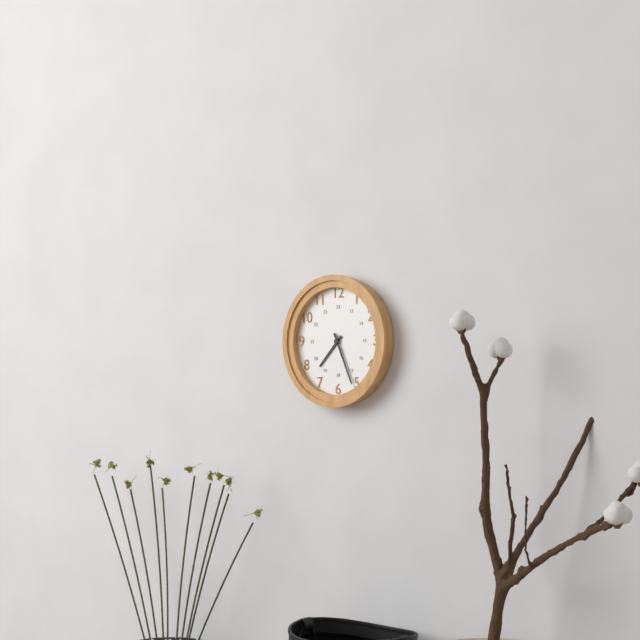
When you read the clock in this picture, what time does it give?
7:26
